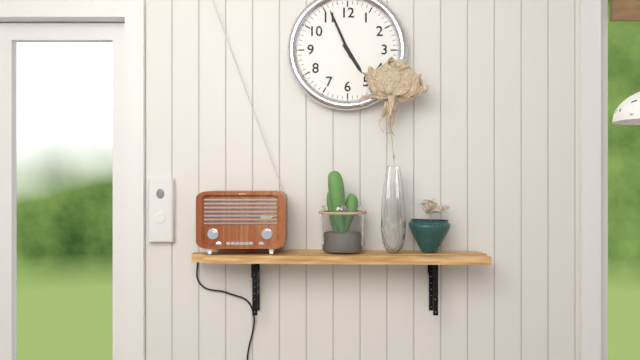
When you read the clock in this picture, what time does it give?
4:56
